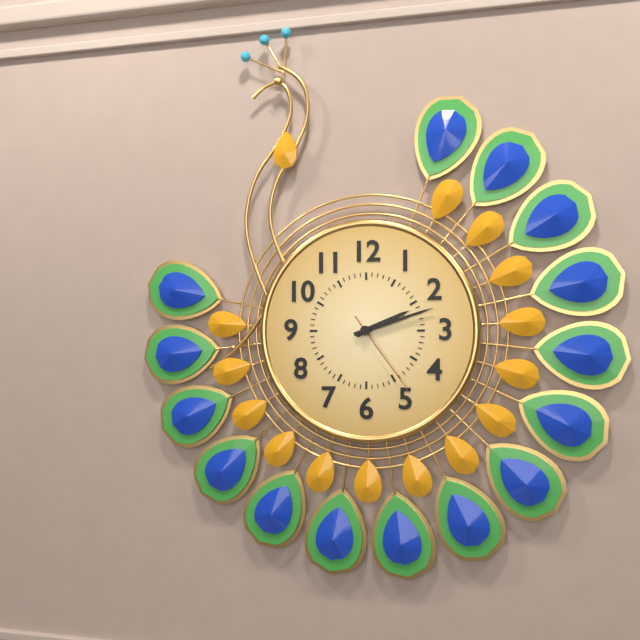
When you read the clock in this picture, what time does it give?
2:12:24
